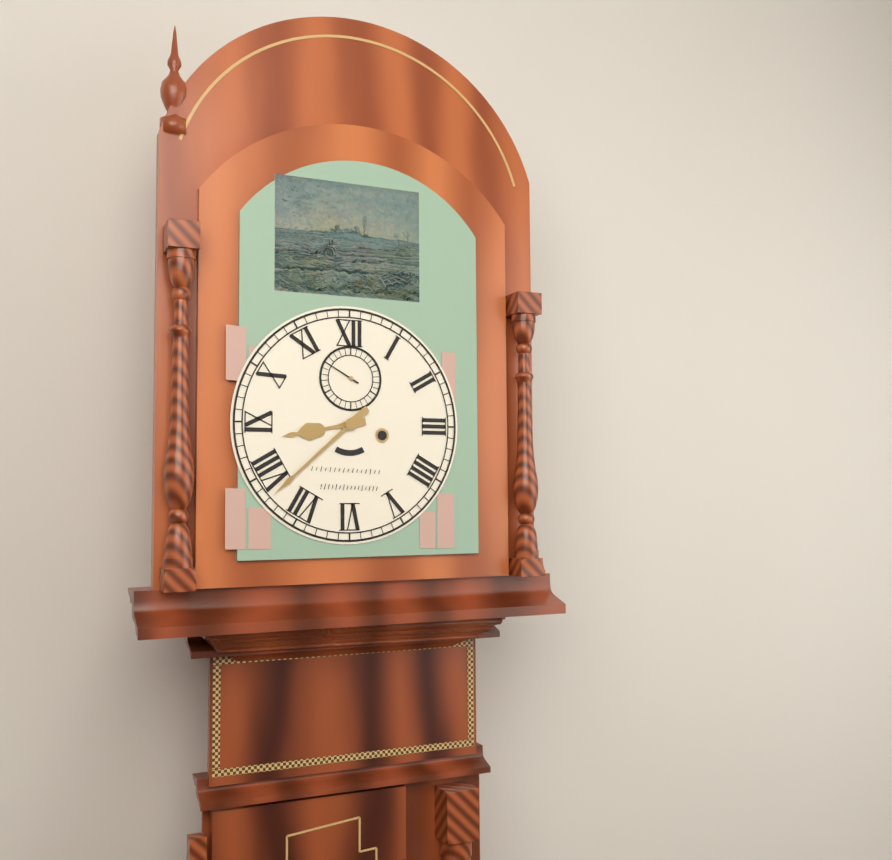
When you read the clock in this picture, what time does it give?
8:38
